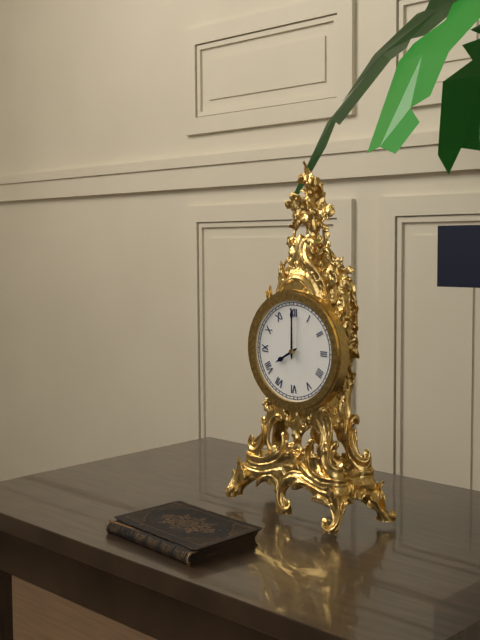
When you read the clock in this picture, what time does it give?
8:00
